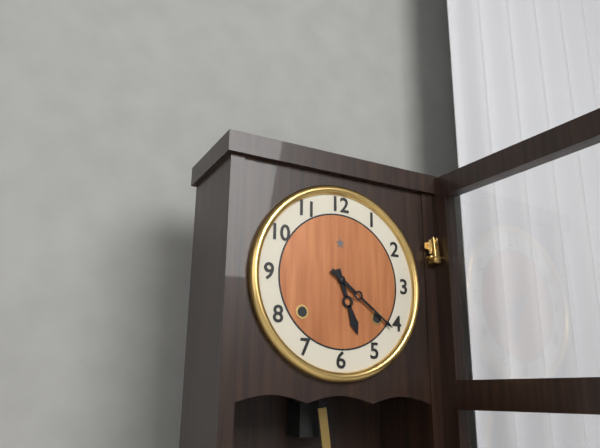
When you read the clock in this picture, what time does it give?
5:21
